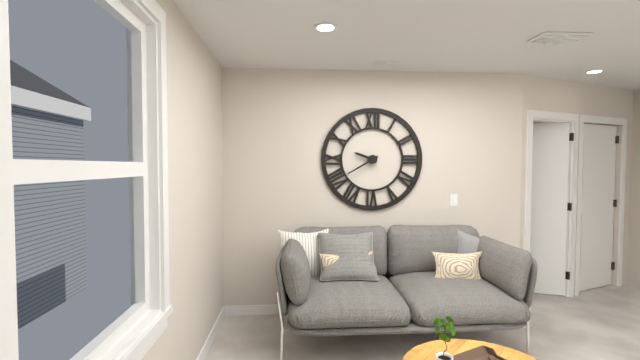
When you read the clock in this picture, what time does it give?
9:40
